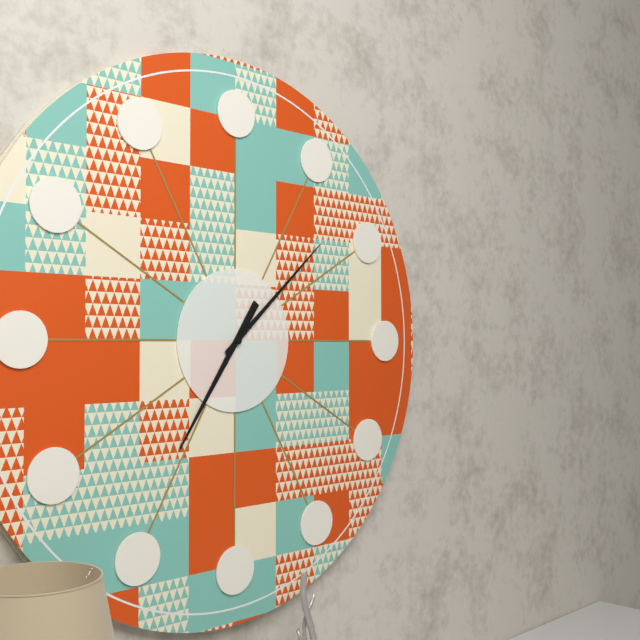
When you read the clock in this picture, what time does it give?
7:08
